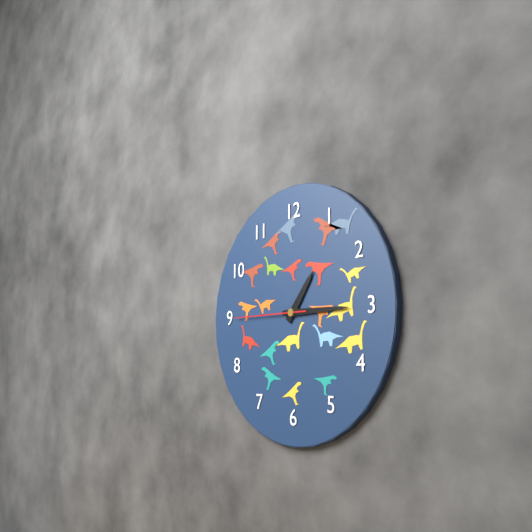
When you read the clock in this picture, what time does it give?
1:15:45
